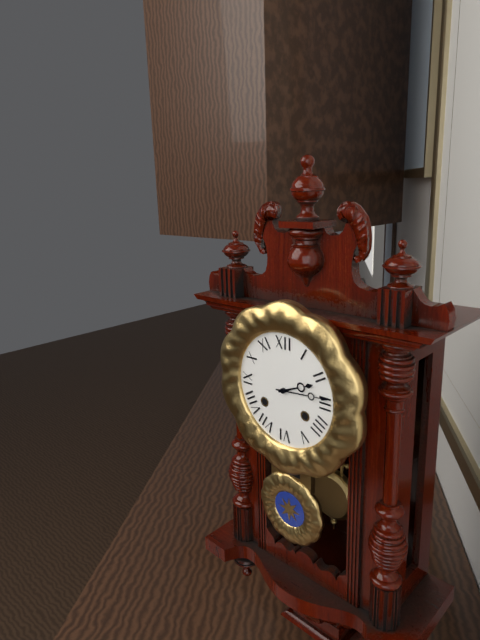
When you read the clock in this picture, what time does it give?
2:14
